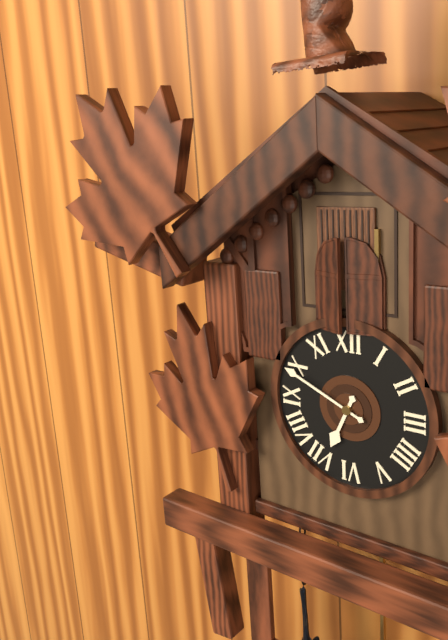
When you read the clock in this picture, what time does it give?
6:49
